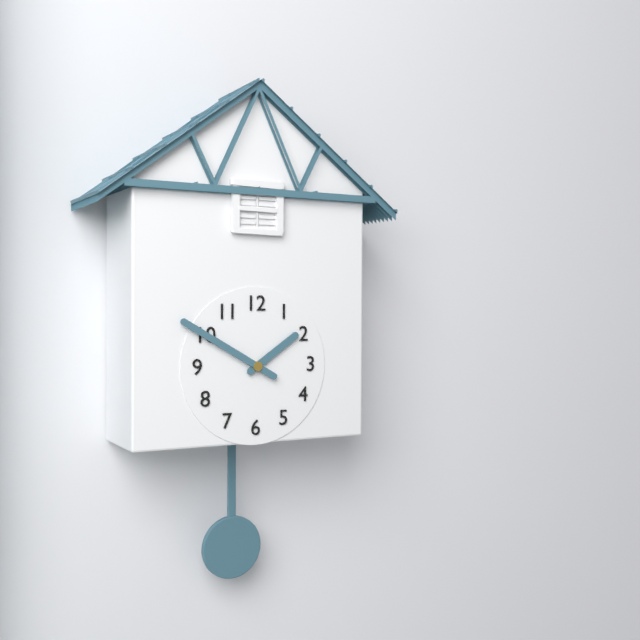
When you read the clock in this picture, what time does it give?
1:50
